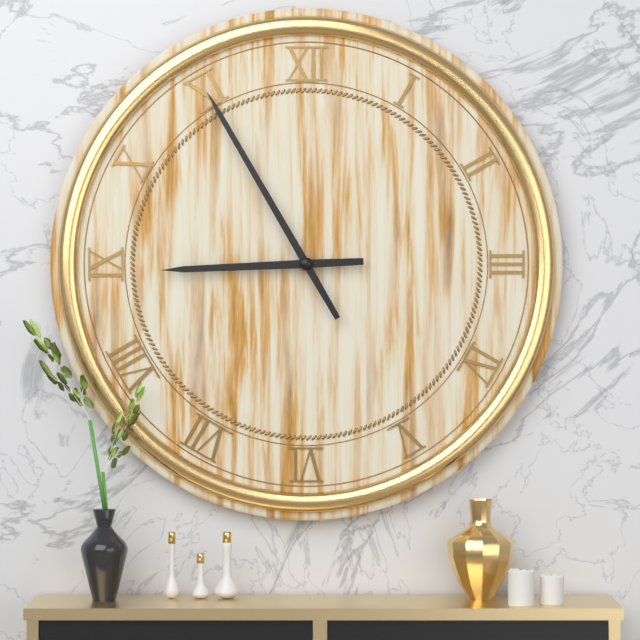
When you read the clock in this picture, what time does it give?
8:55
